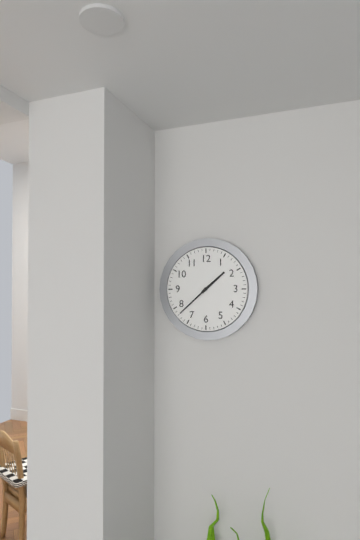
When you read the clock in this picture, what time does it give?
1:38
